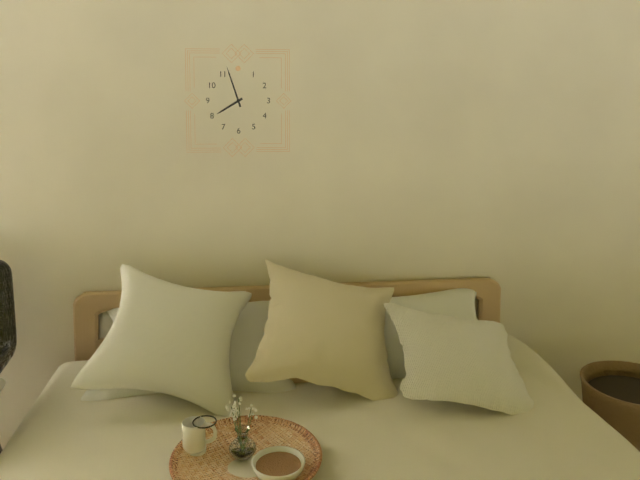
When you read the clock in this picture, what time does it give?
7:57
